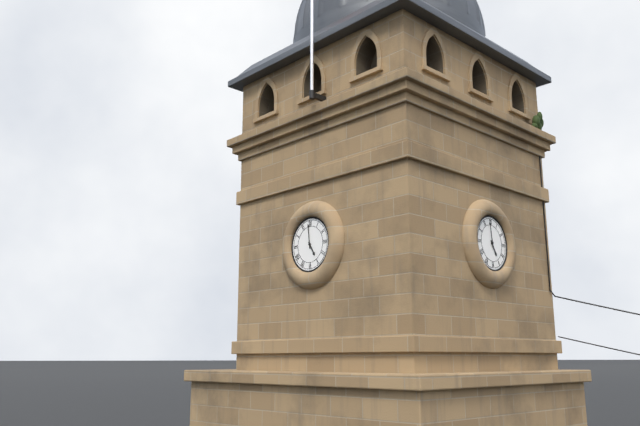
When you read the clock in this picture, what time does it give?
4:59
